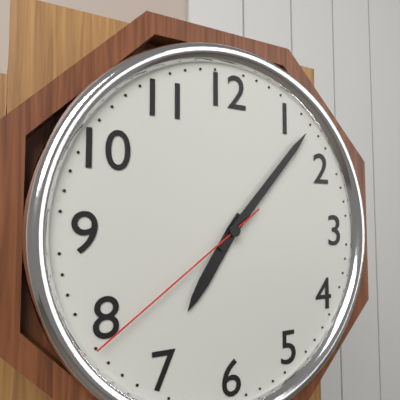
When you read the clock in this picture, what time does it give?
7:07:39
